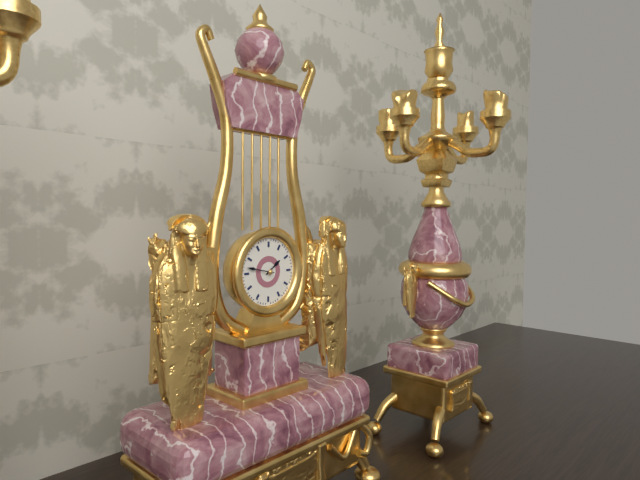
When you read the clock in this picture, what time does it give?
1:47
